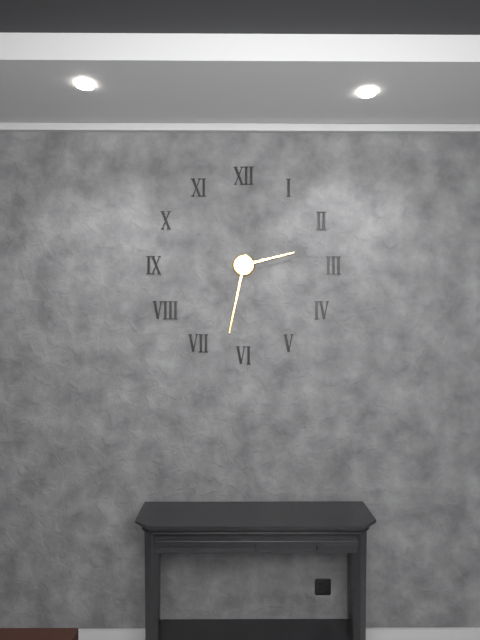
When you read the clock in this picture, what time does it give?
2:32
